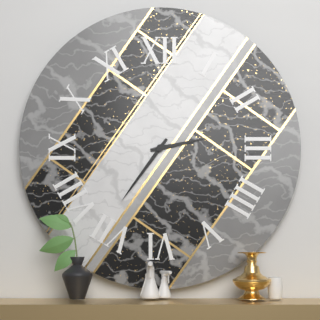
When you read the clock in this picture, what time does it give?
2:36
